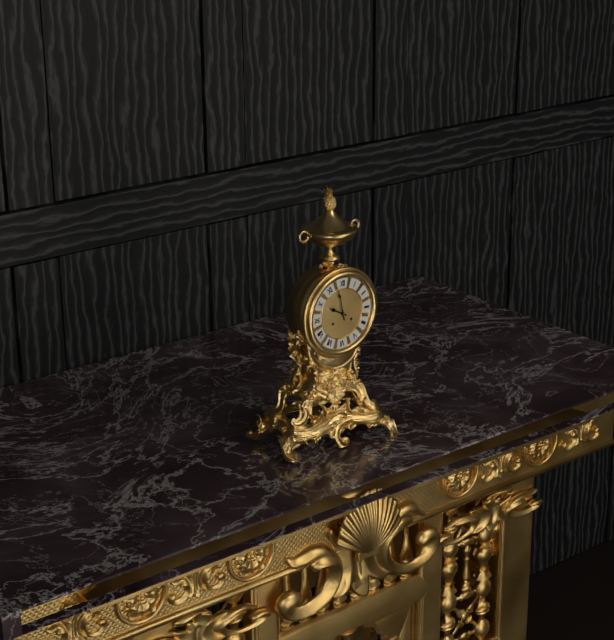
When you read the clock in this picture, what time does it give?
9:58
